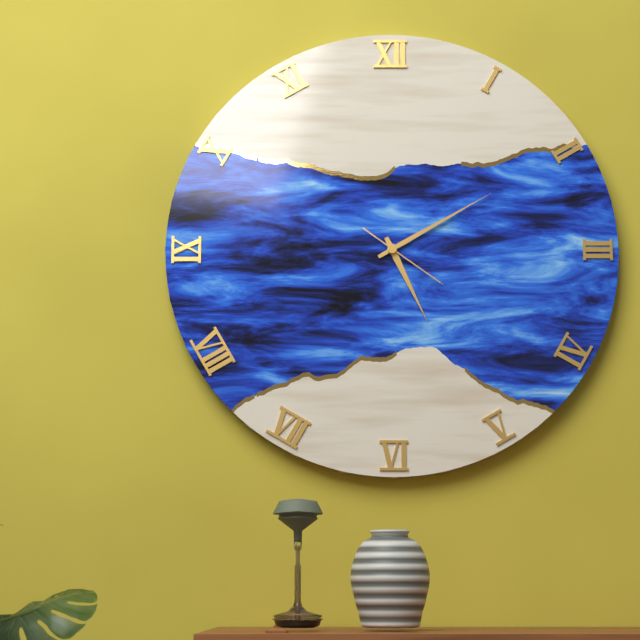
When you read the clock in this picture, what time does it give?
5:10:21
